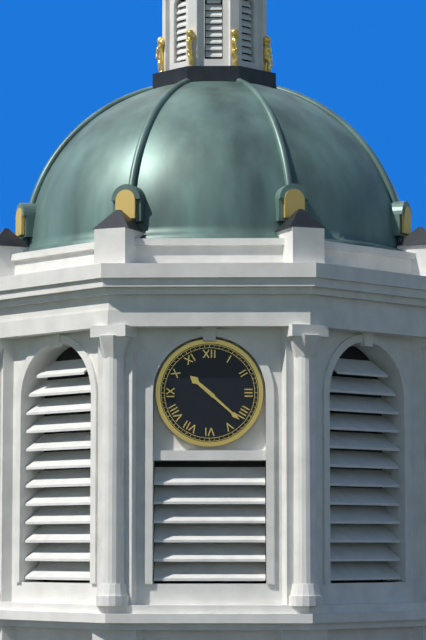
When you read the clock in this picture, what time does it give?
10:22
